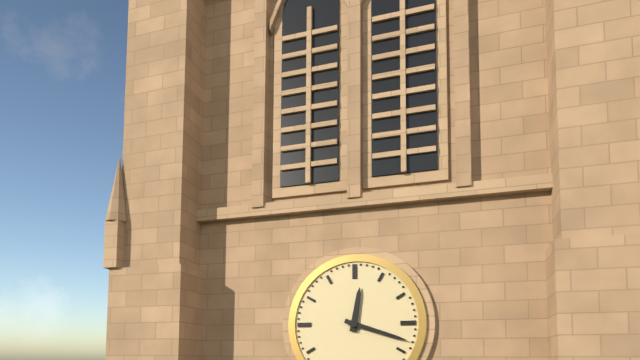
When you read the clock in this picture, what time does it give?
12:18
